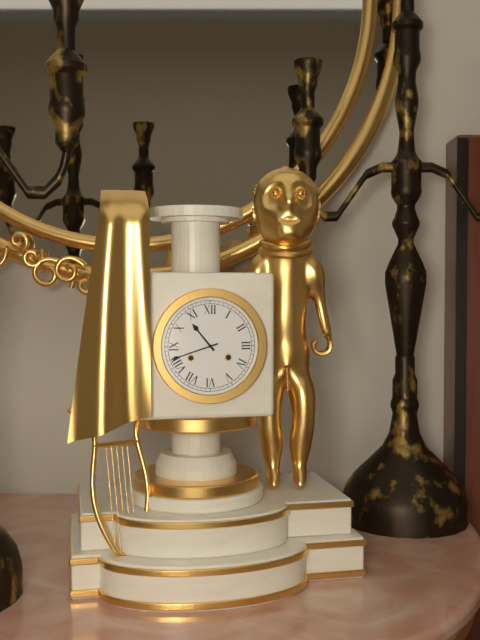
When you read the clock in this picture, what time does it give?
10:42
